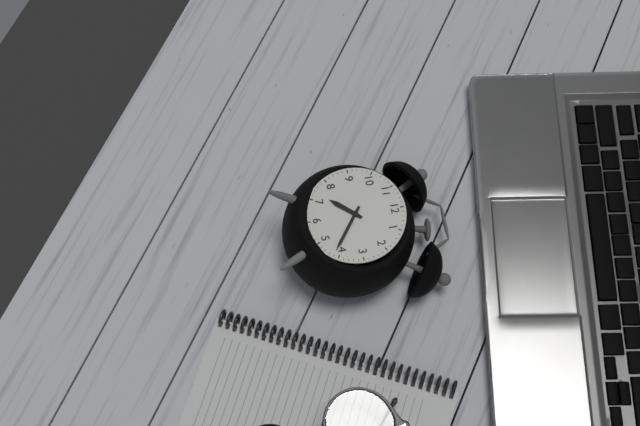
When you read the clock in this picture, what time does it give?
7:21
